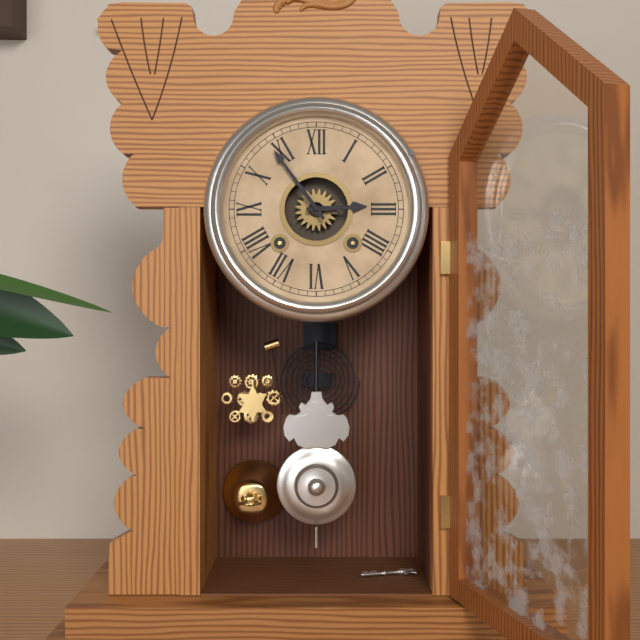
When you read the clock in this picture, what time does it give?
2:54
